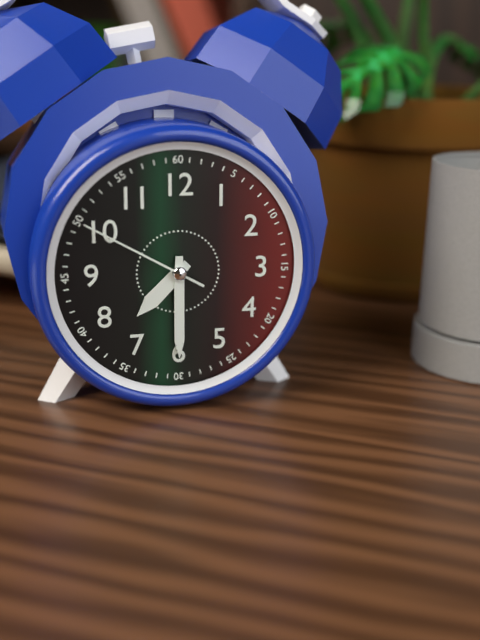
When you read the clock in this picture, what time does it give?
7:30:50
